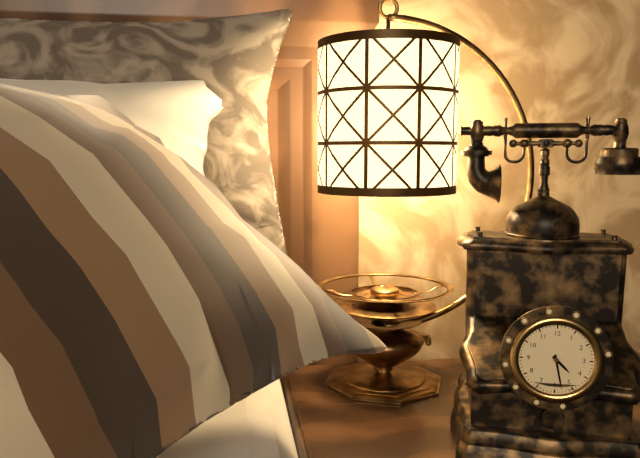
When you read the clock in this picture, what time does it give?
4:28
